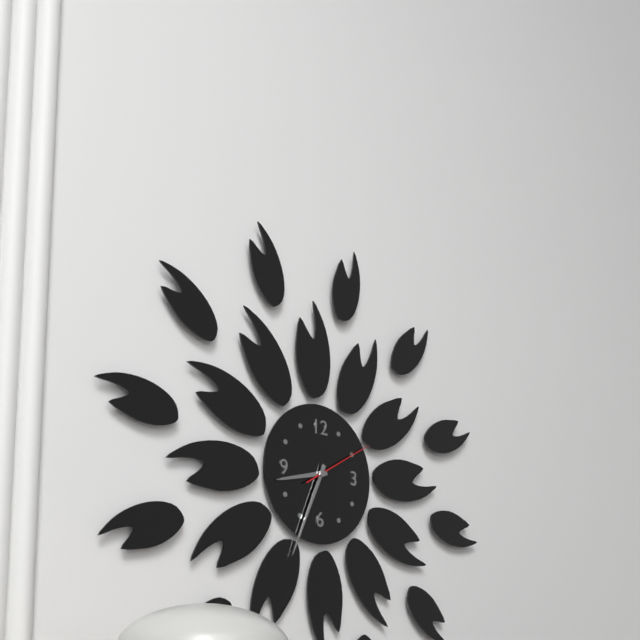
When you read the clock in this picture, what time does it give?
8:34:10
